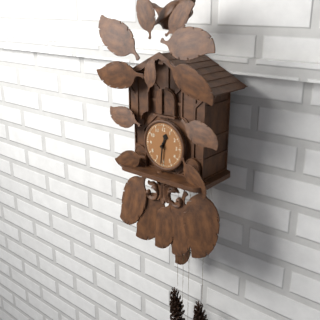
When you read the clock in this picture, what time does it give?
12:31
